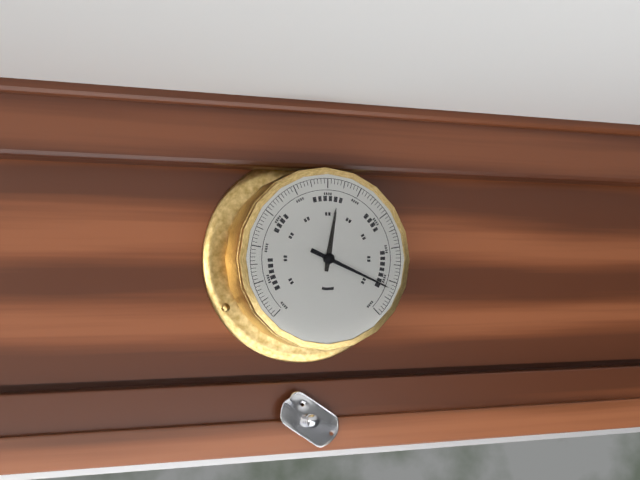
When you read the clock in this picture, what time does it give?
12:19
